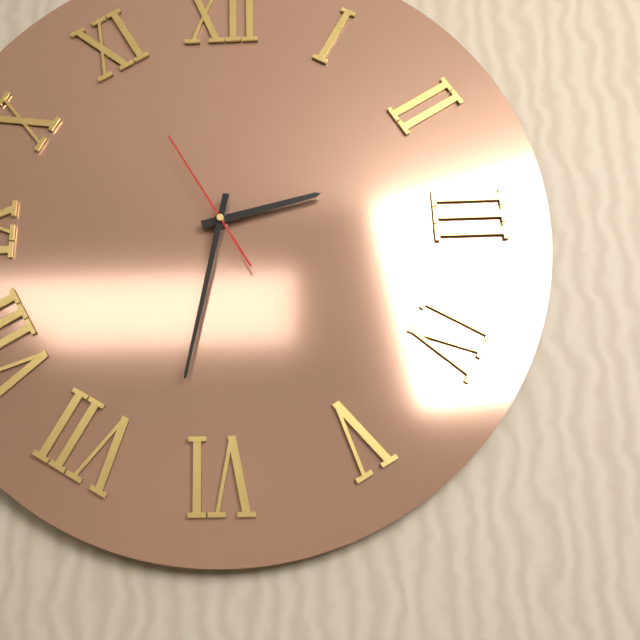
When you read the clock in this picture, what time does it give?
2:32:55
